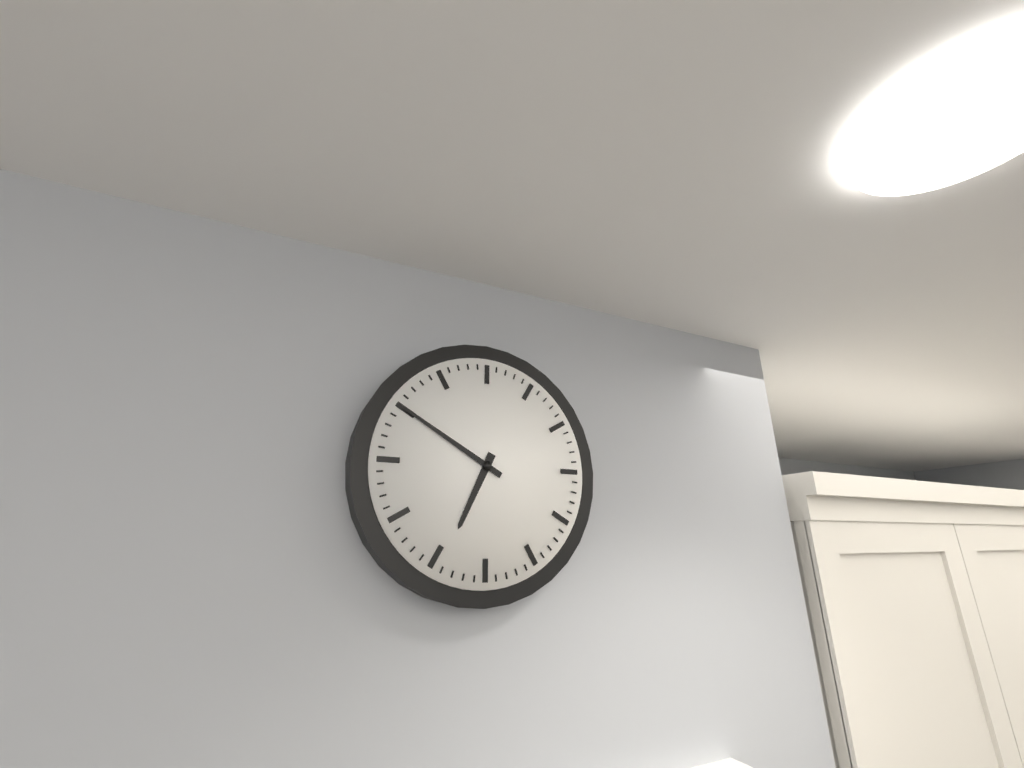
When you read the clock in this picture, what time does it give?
6:50
